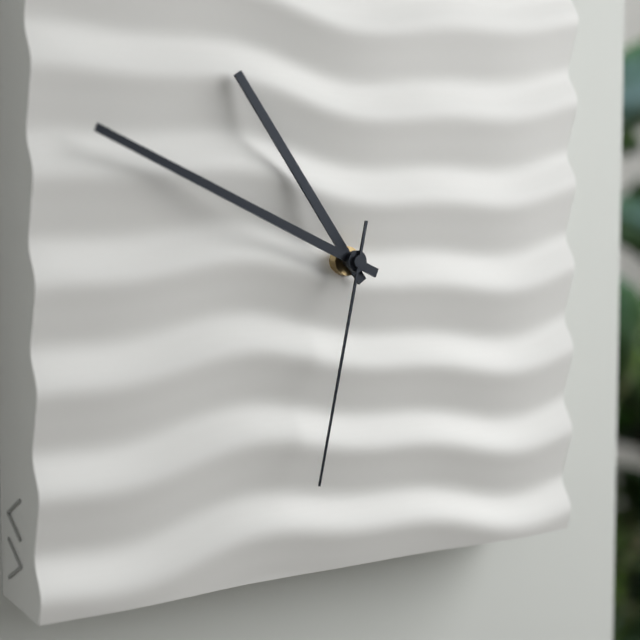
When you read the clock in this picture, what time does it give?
10:49:32
